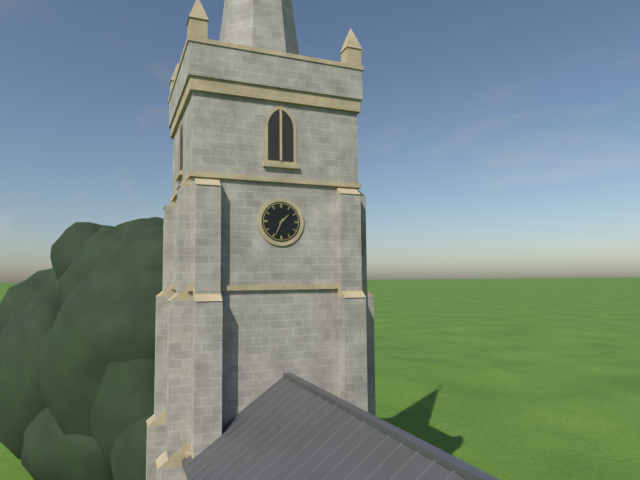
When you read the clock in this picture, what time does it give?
1:34
